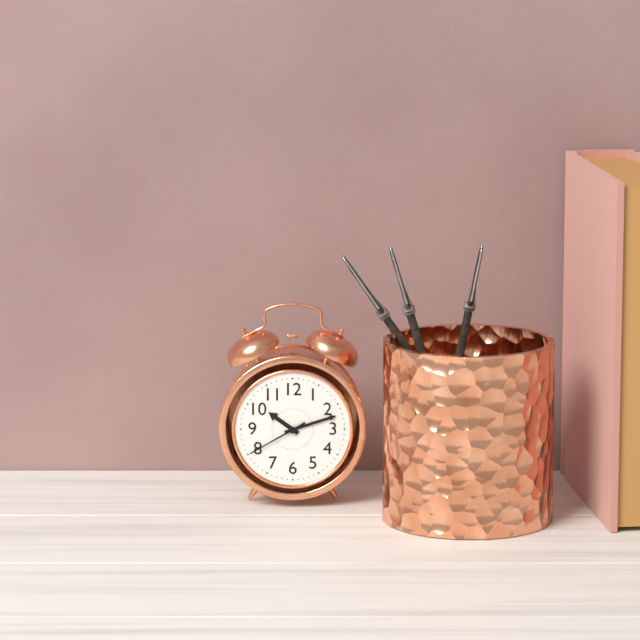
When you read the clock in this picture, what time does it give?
10:12:40
